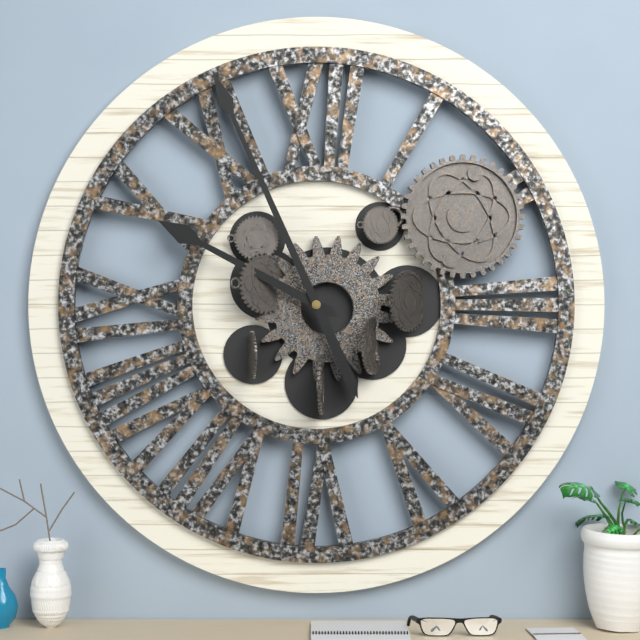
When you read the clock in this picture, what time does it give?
9:56
